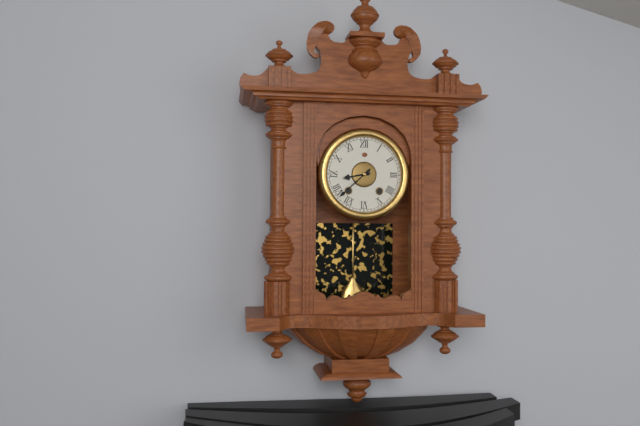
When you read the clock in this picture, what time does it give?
8:38
